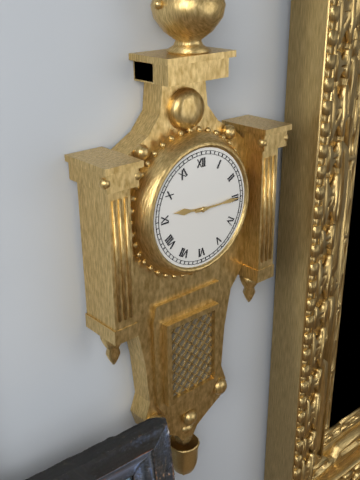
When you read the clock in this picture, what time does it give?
9:15
